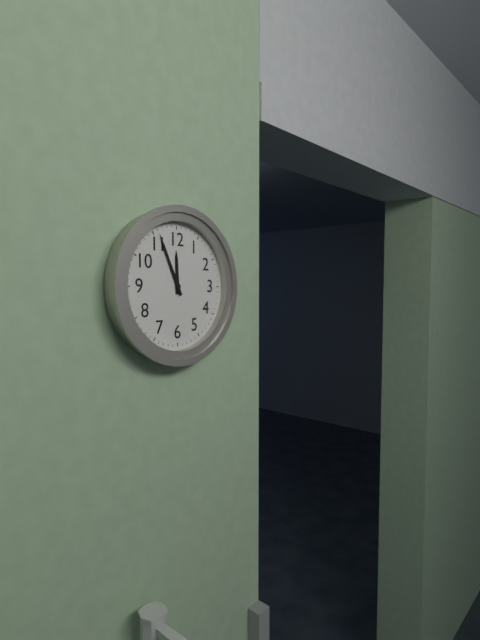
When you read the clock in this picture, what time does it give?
11:56
